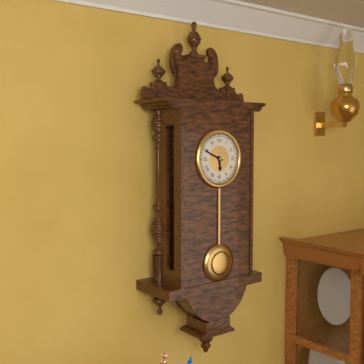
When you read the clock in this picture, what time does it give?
5:49
